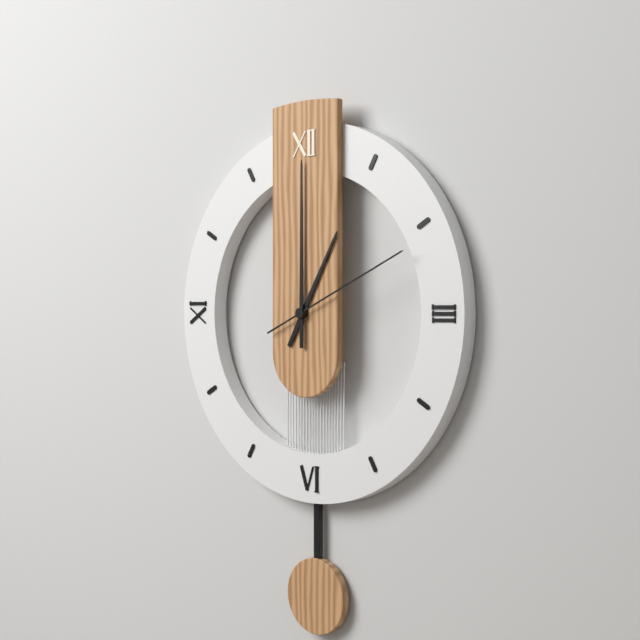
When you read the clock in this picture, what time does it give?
1:00:11
